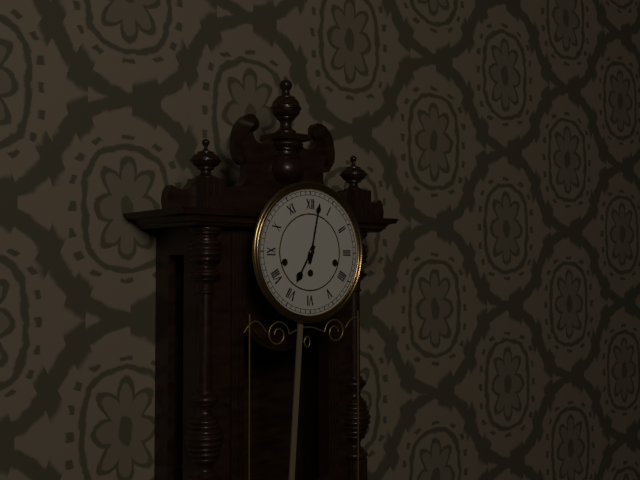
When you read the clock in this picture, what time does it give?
7:02
